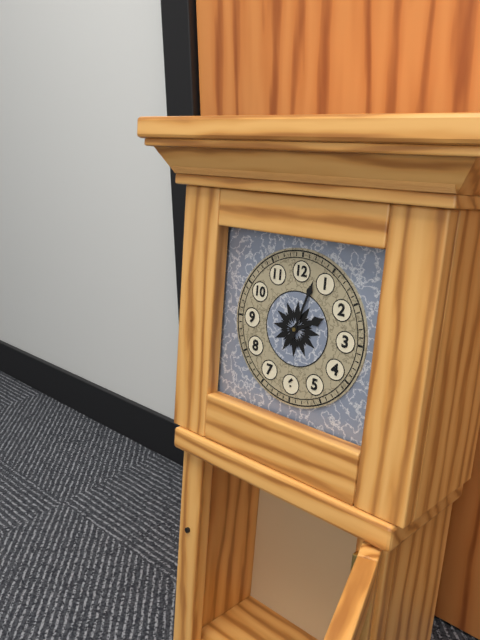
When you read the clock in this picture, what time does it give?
2:03
